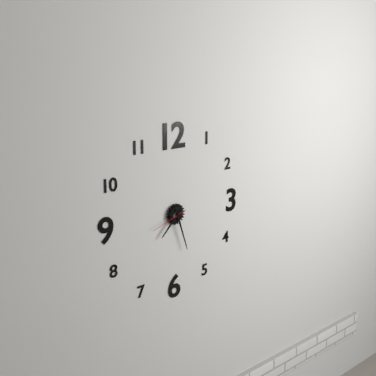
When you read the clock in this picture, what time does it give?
7:27
